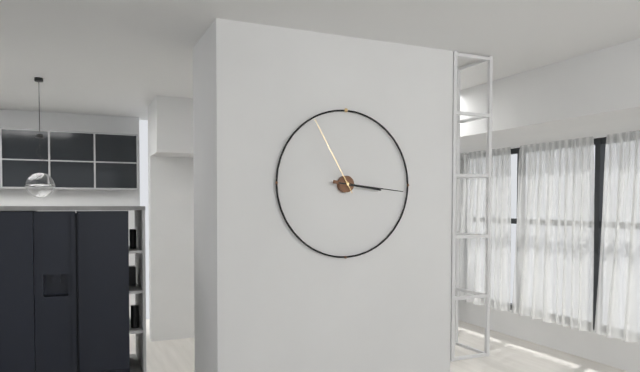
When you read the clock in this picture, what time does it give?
3:16:55
